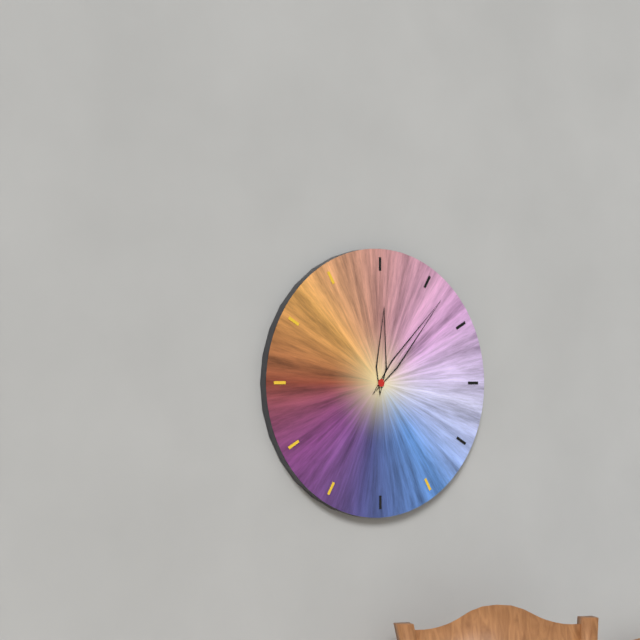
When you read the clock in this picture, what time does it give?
12:07
